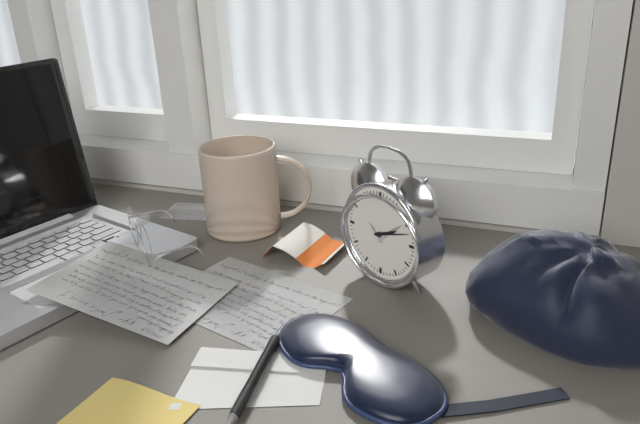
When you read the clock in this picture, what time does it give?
2:12
